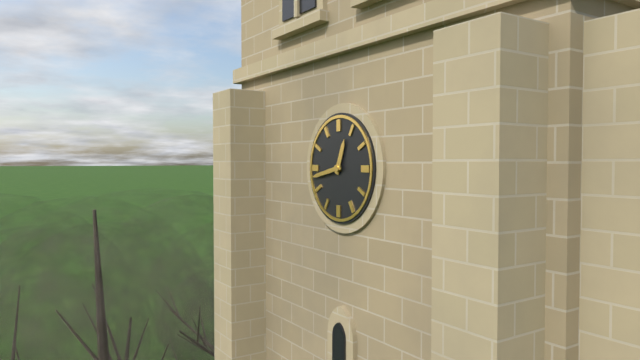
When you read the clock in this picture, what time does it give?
12:43
